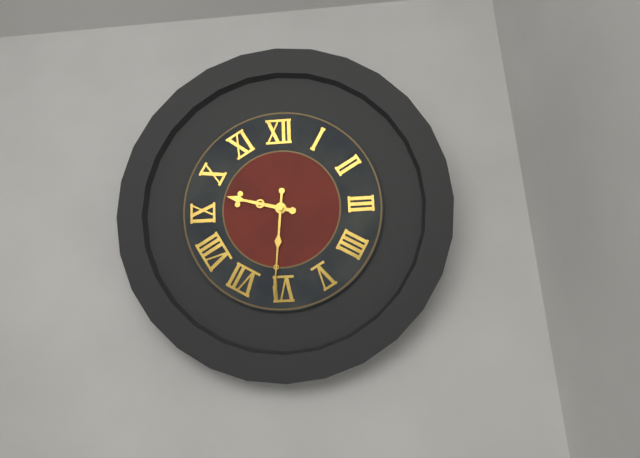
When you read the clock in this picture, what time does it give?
9:31
